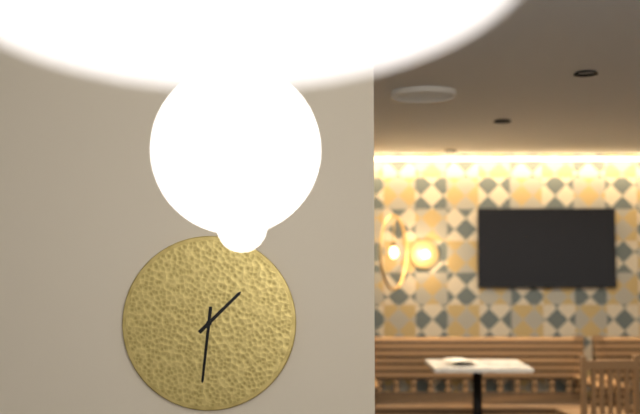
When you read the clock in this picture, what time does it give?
1:31
